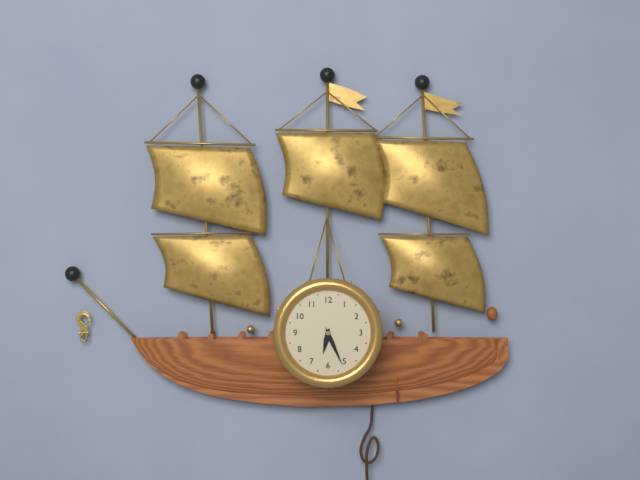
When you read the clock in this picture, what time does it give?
6:26
